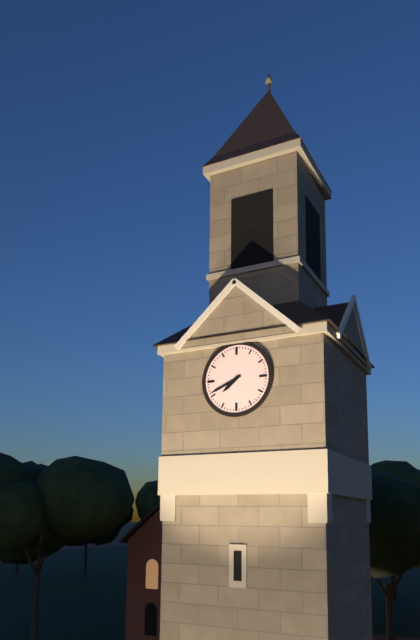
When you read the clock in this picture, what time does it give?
7:41
